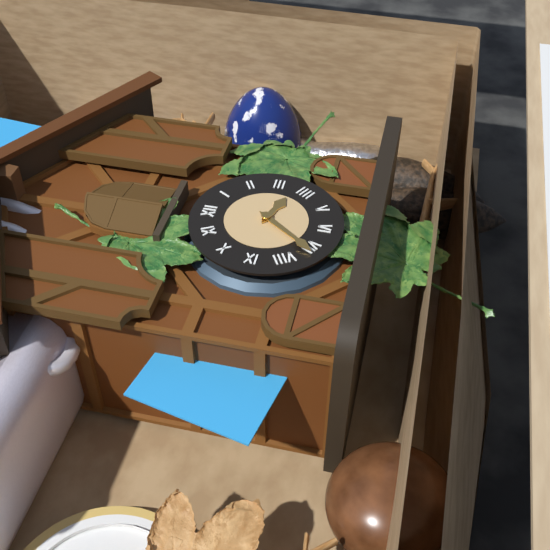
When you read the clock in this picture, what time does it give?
3:36
